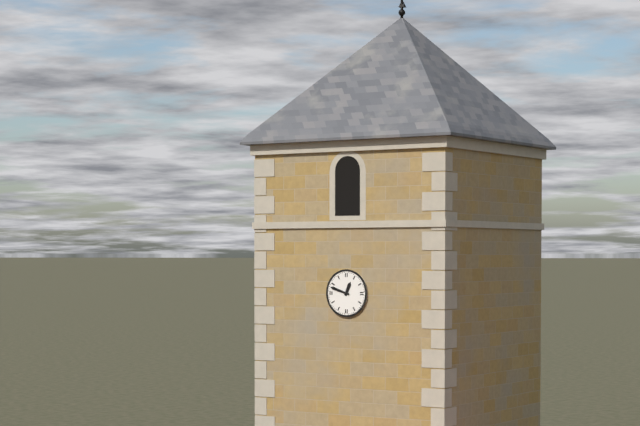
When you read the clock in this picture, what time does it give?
12:48
